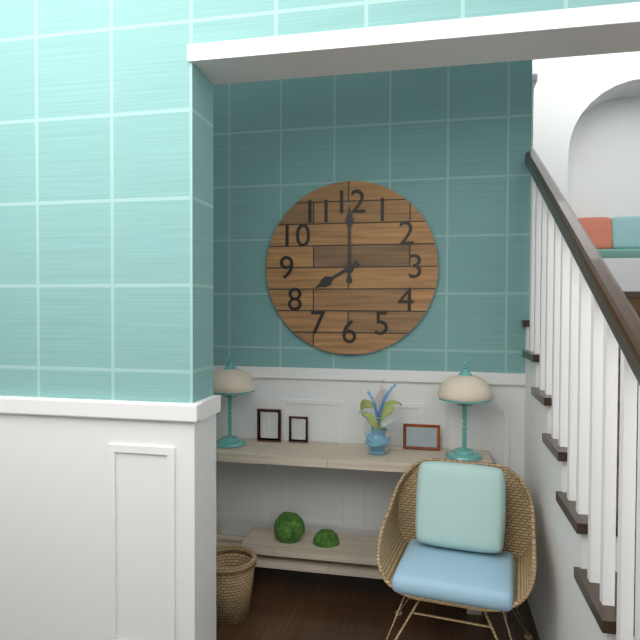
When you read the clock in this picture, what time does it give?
8:00
